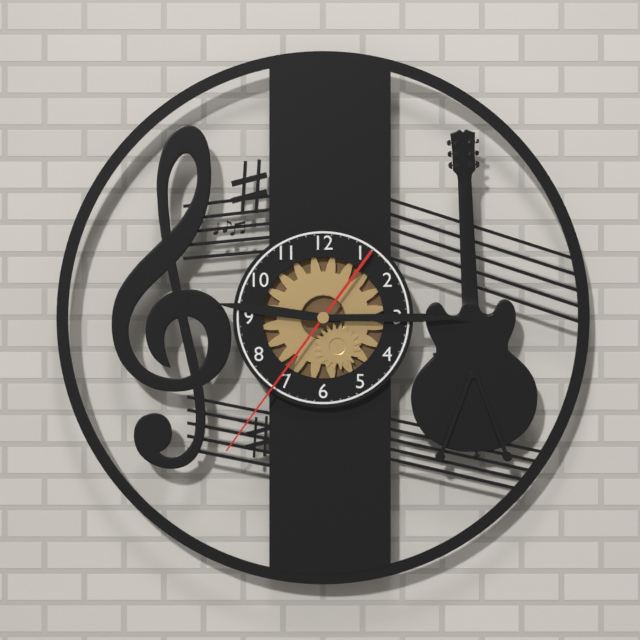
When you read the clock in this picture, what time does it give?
9:15:36
